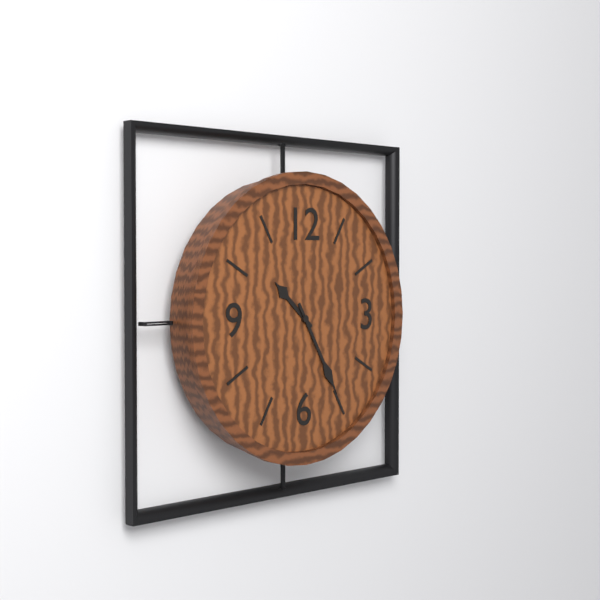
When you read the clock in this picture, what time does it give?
10:25
